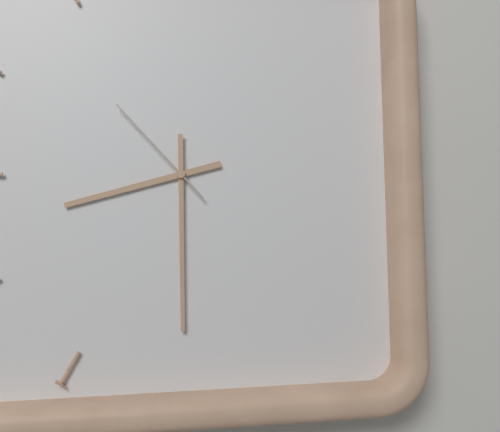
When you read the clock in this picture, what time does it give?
8:30:53
